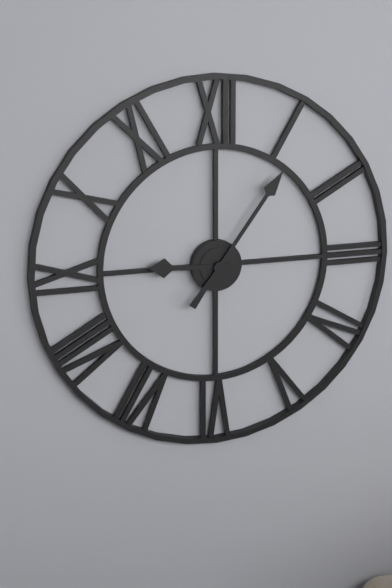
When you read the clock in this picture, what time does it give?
9:06
